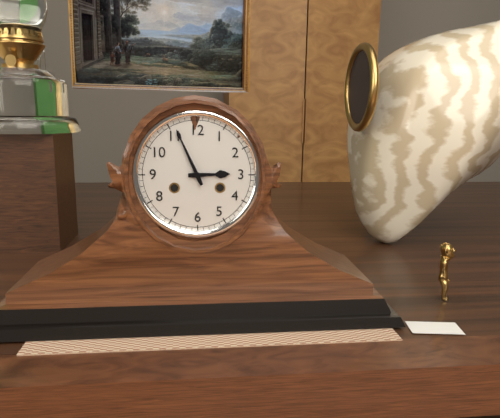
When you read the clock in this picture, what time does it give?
2:56
